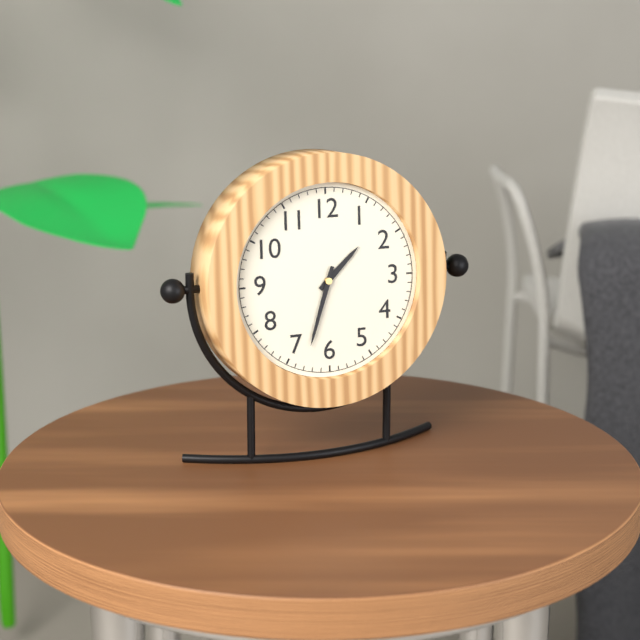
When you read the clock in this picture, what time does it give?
1:33
